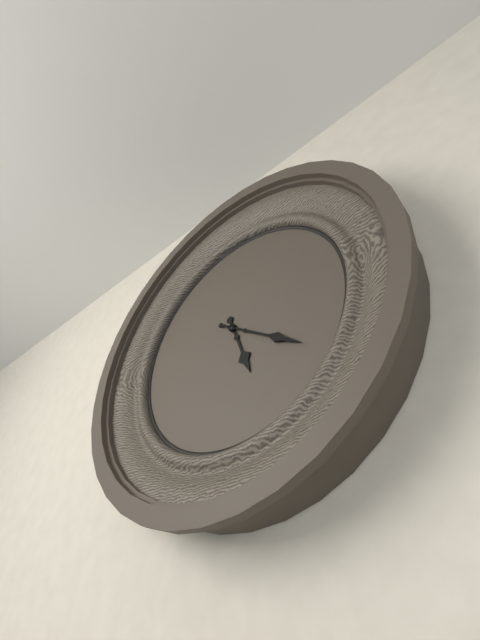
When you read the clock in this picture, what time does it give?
5:21
